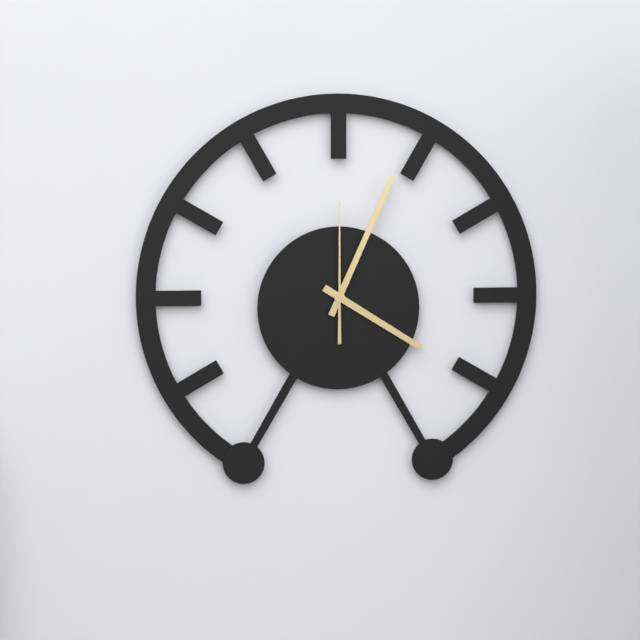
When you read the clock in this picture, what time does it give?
4:04:00
